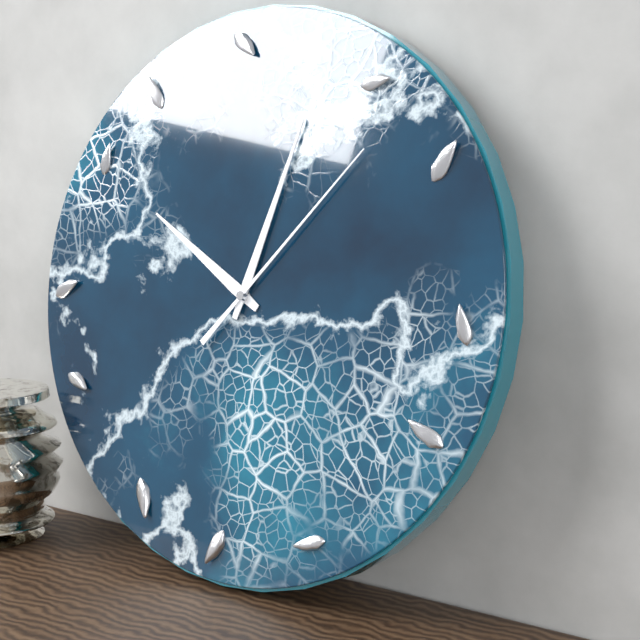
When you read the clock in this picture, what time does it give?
10:03:07
